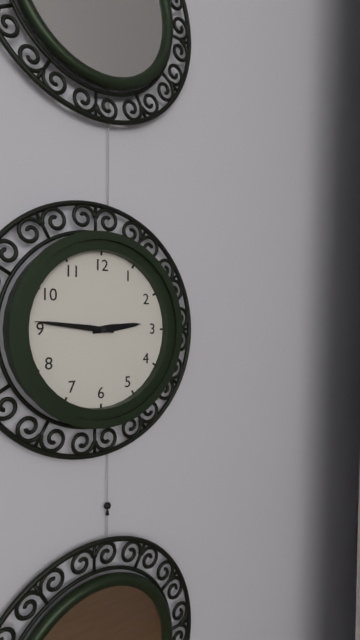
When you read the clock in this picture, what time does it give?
2:46
